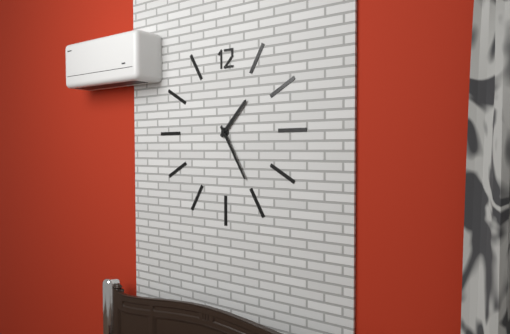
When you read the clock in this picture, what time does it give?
1:25
